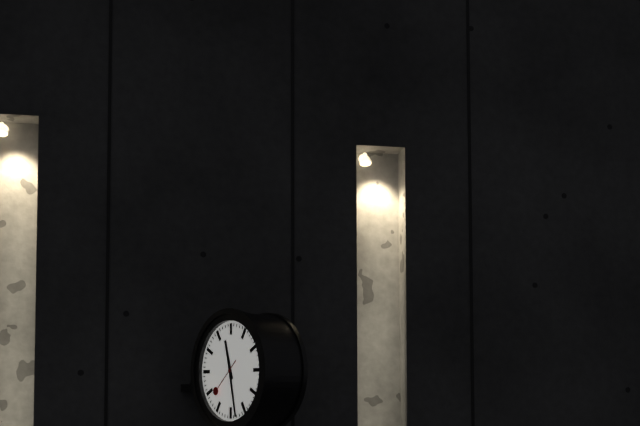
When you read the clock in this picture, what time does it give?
11:28
